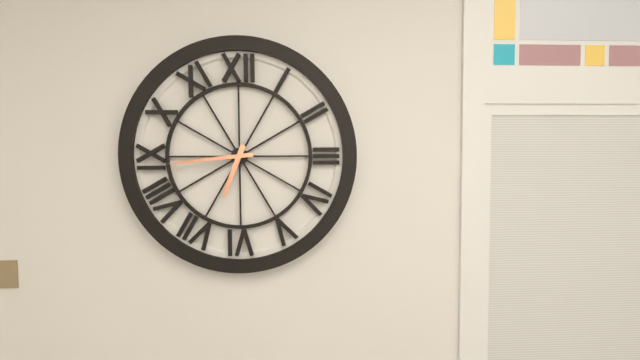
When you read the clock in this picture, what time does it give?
6:44
